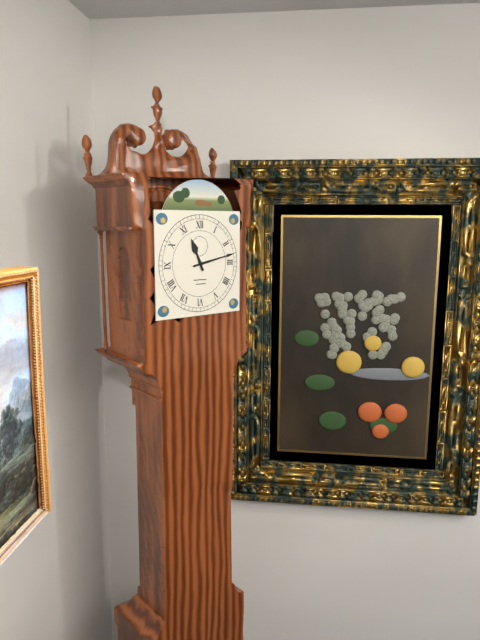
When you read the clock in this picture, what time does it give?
11:13
